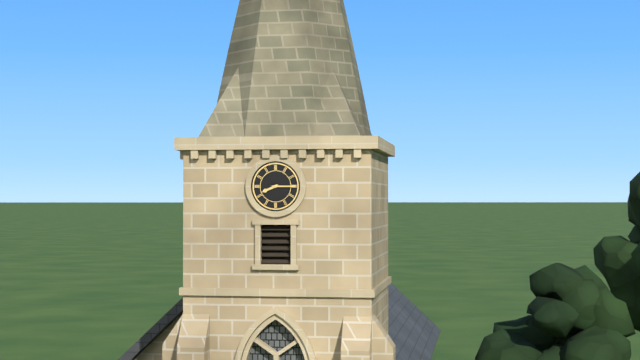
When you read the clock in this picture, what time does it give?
8:15
